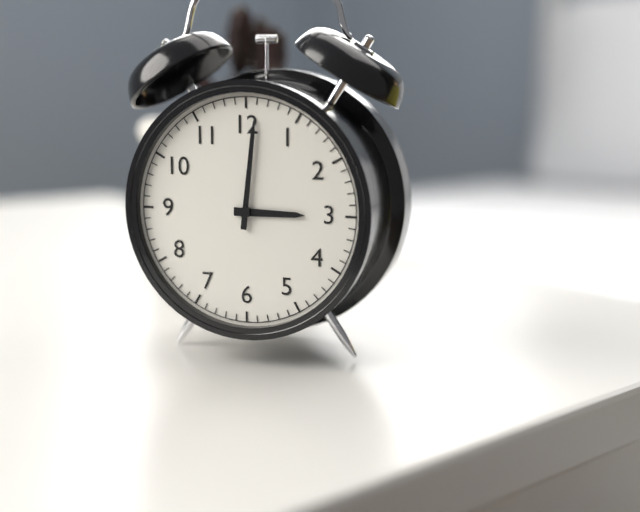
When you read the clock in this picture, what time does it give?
3:01
